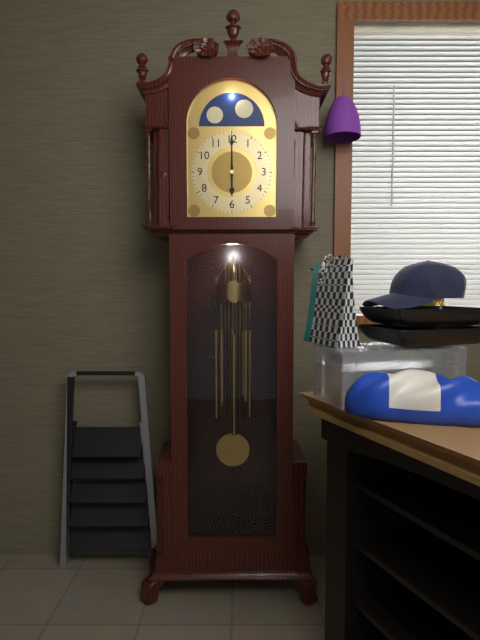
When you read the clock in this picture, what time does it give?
6:00
